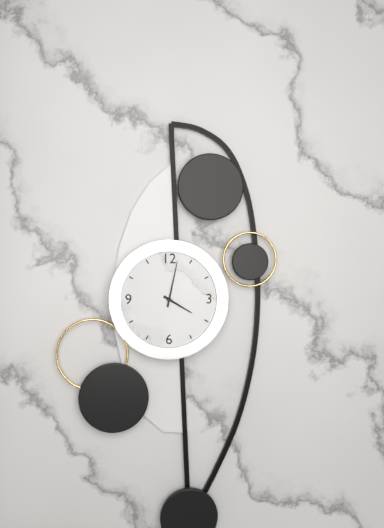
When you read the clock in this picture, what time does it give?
4:02
